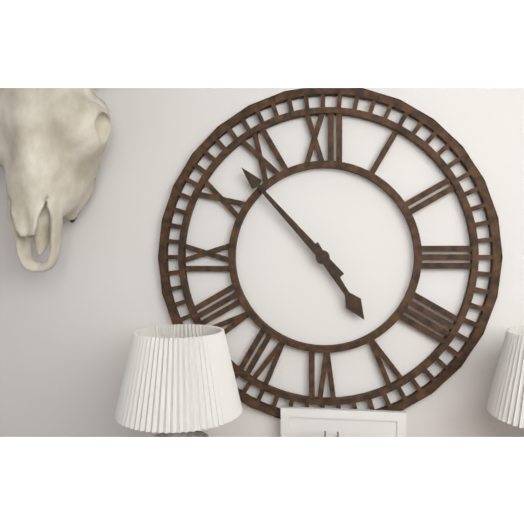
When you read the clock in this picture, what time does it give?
4:53
